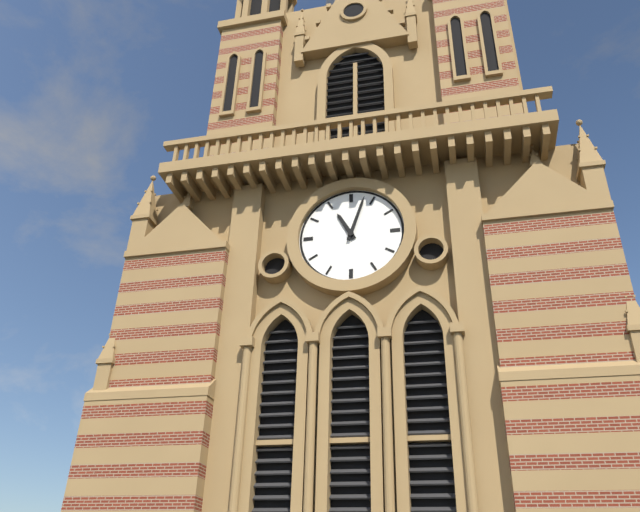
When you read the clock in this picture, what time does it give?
11:03
